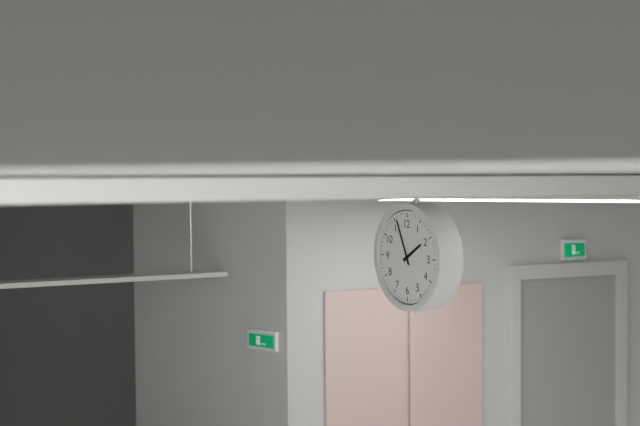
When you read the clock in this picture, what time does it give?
1:56
